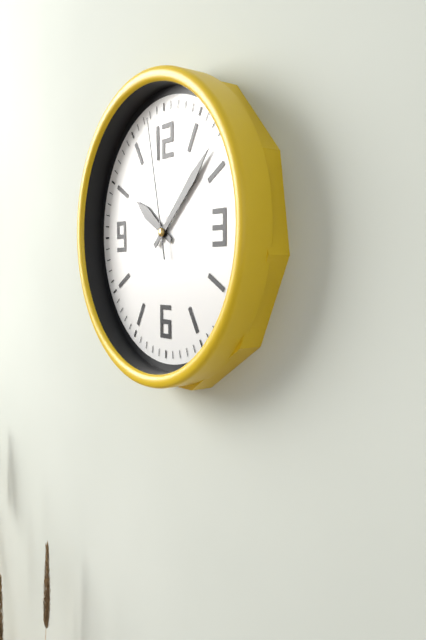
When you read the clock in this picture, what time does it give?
10:08:58
